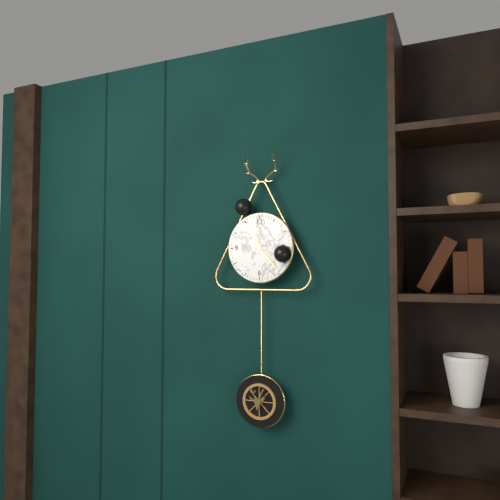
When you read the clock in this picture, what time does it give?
11:23
